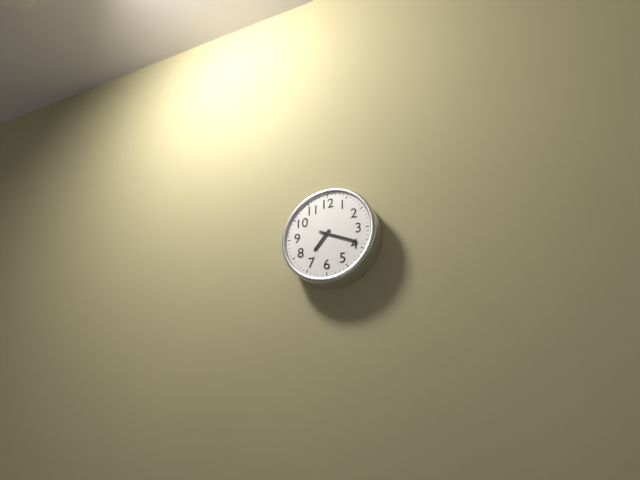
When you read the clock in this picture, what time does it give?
7:19
